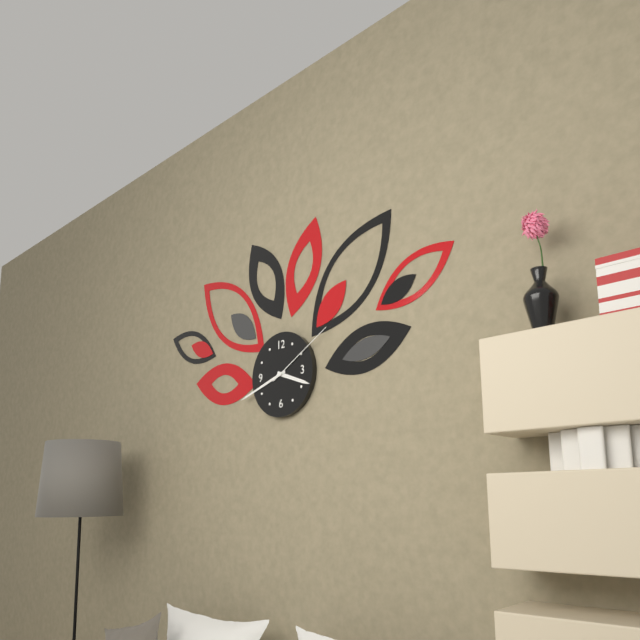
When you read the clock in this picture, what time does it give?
3:42:10
